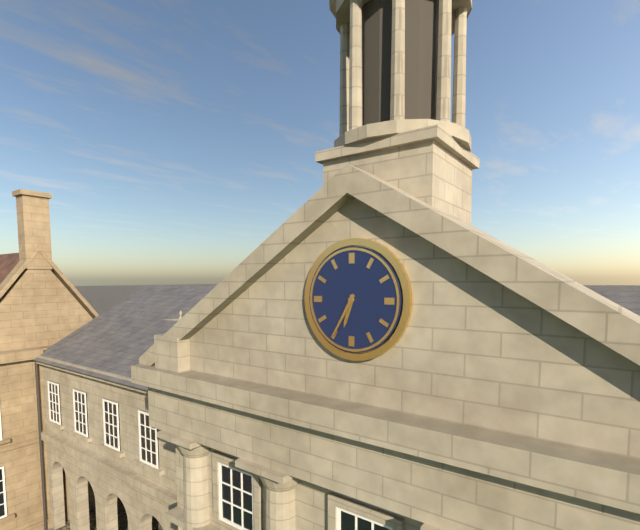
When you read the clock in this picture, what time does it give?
6:35
